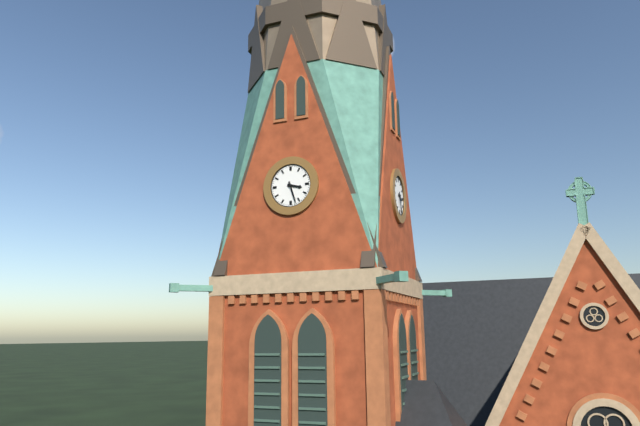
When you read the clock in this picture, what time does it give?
3:27
